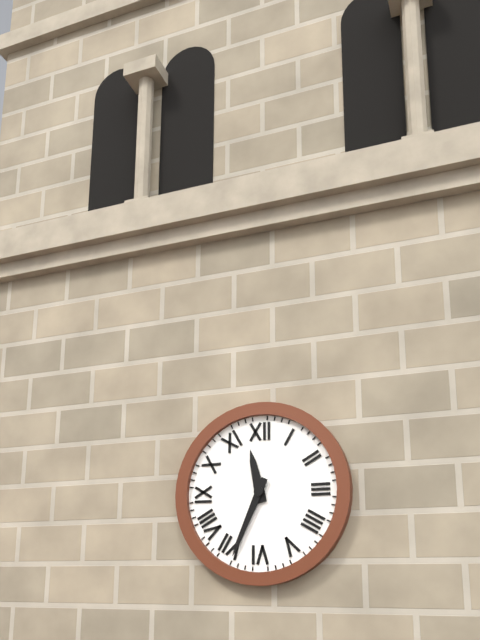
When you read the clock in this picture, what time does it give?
11:34
